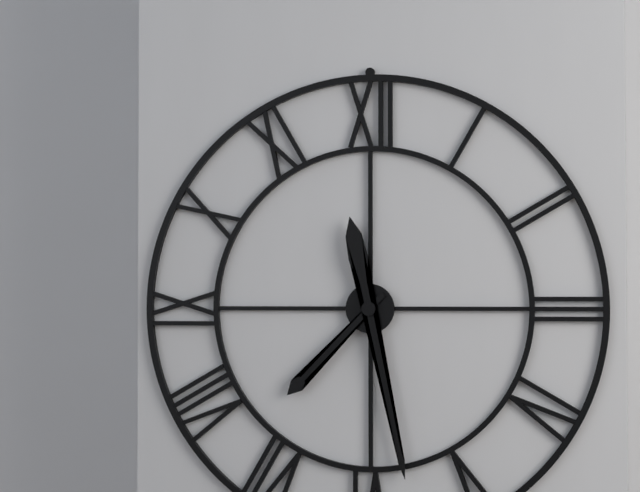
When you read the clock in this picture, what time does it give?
7:28
